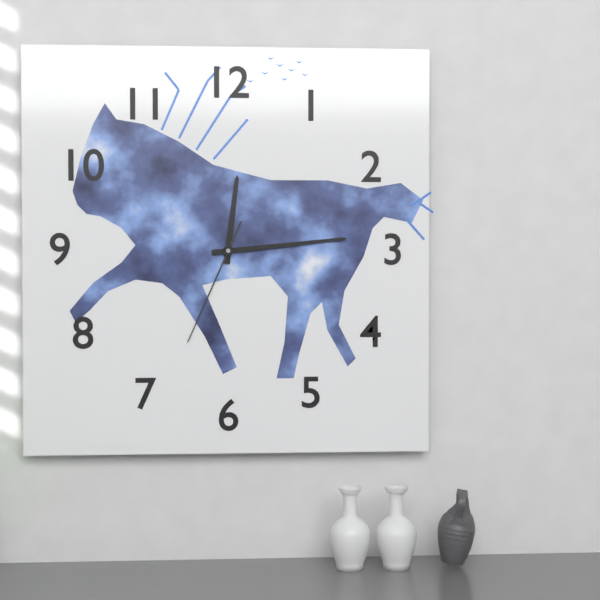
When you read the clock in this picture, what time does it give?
12:14:34
